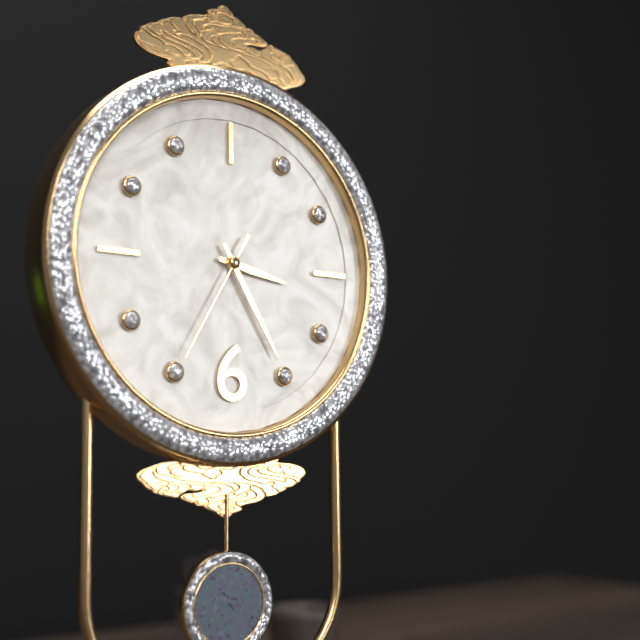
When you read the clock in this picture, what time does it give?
3:25:35
